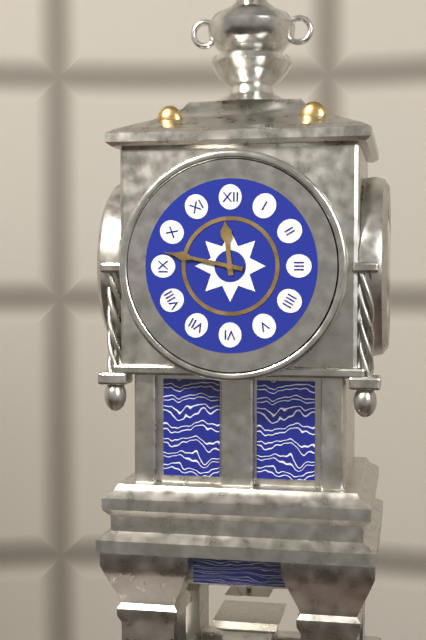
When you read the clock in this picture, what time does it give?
11:47
